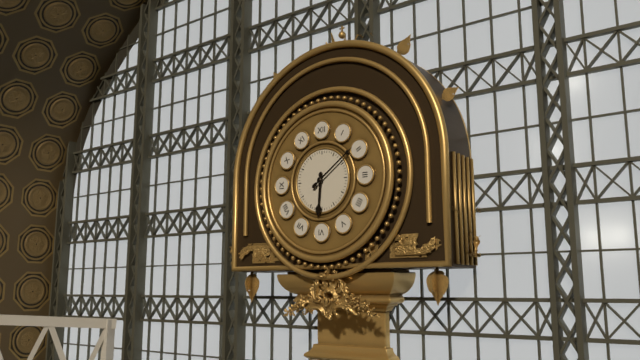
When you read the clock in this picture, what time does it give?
6:09
